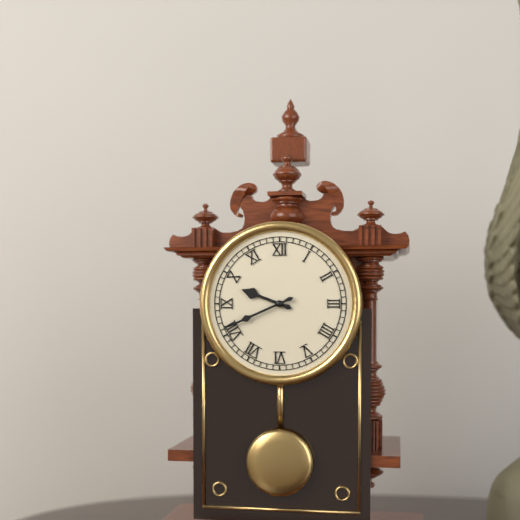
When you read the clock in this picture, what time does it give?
9:41
